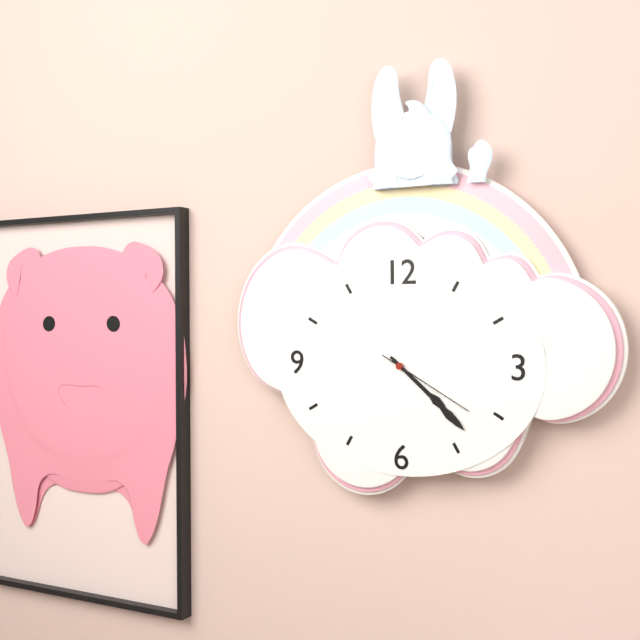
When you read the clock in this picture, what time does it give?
4:22:20
